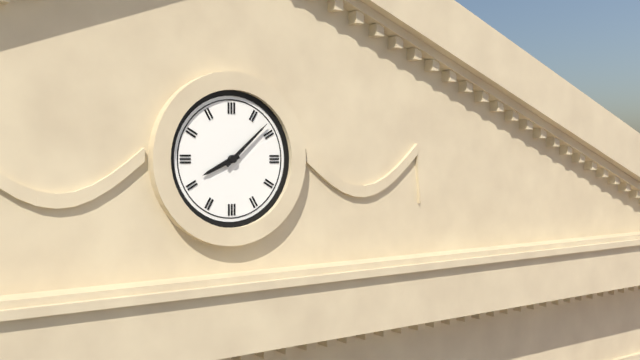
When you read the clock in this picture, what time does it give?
8:08
